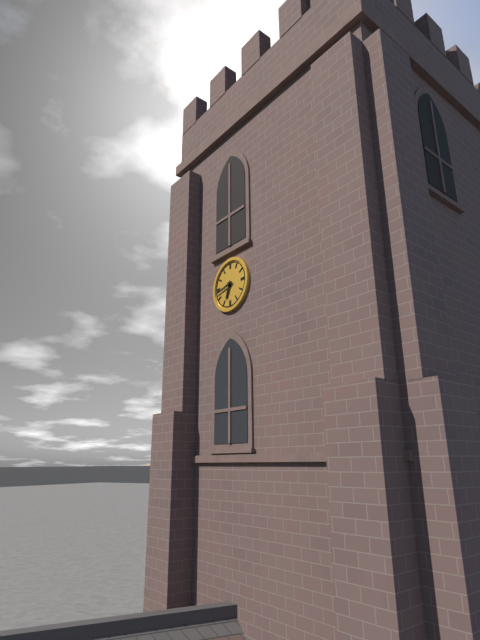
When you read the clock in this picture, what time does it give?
6:43
